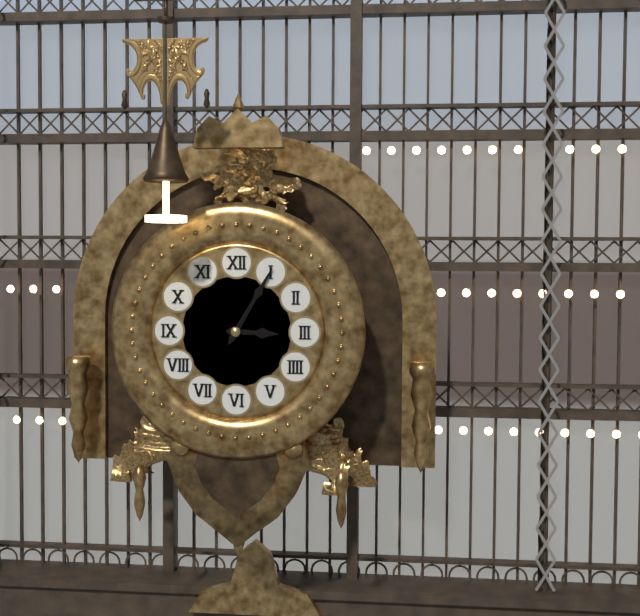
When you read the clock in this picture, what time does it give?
3:05
